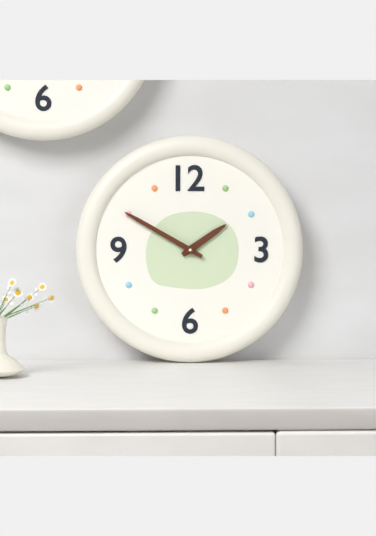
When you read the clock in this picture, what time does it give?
1:50
